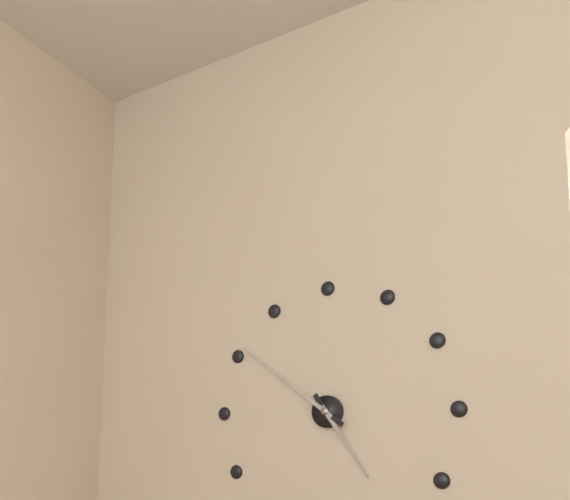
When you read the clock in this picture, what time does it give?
4:51
